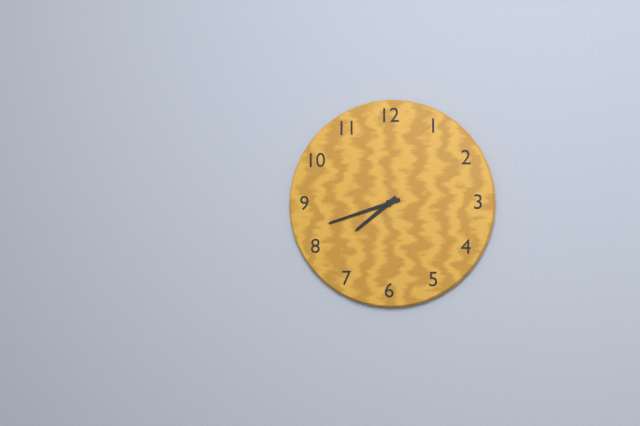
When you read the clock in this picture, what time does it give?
7:42
